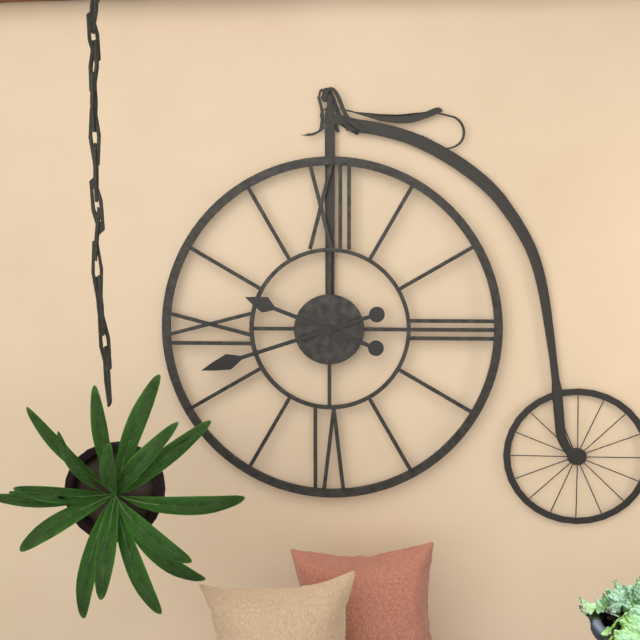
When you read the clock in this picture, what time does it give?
9:42
